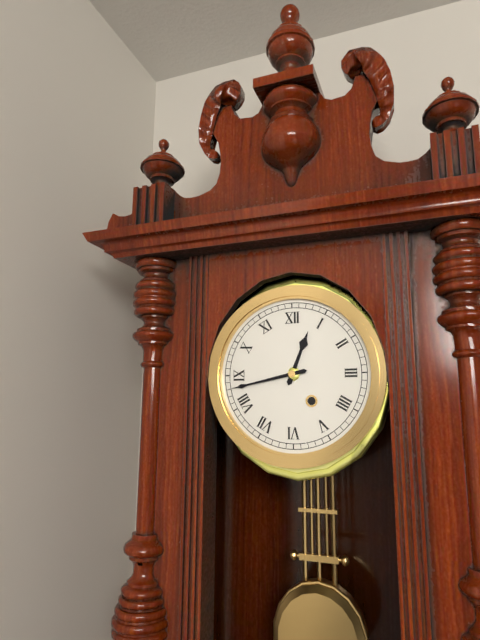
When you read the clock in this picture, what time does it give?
12:43
